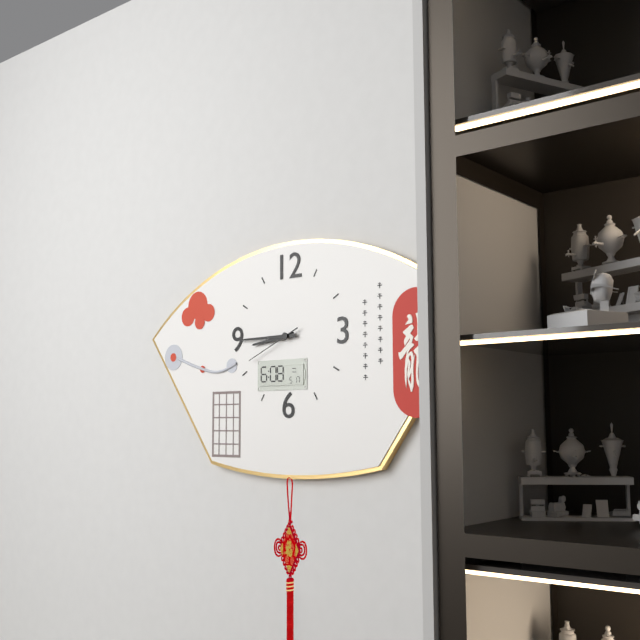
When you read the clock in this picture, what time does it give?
8:45:41
